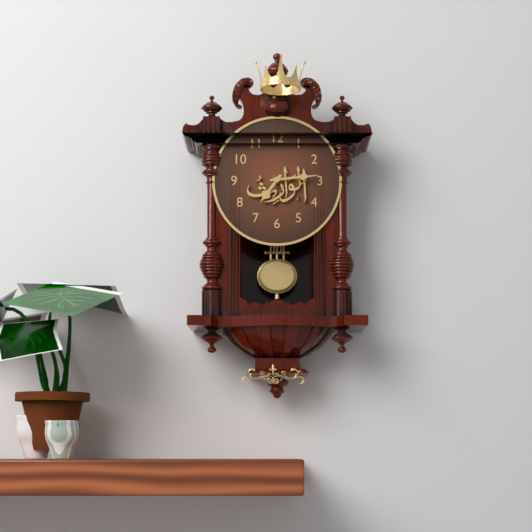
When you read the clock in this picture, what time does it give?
7:14
